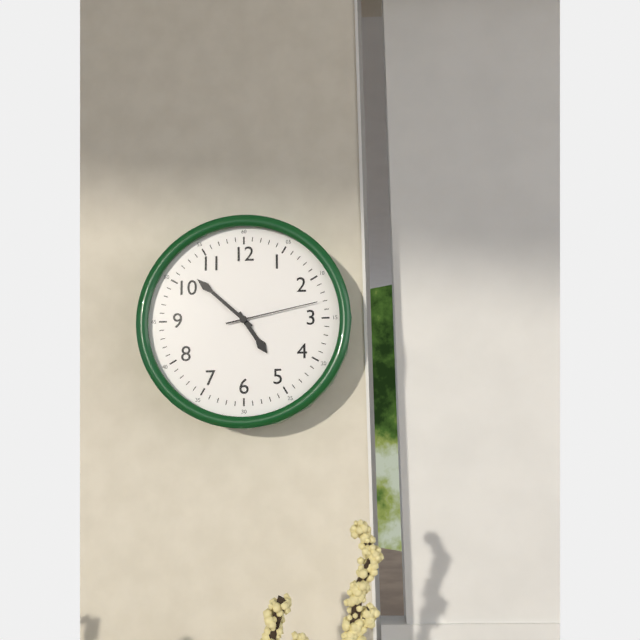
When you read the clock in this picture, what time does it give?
4:52:13
